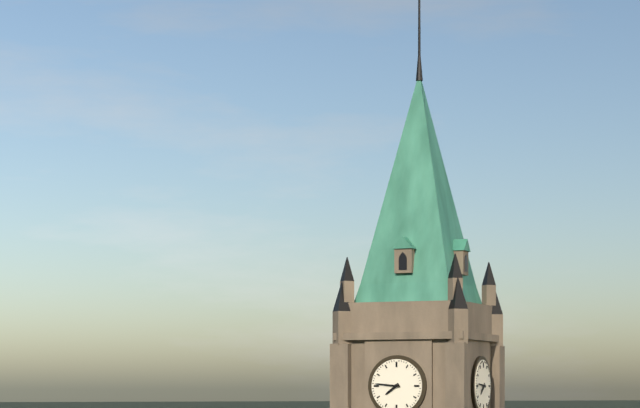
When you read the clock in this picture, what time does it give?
7:46
